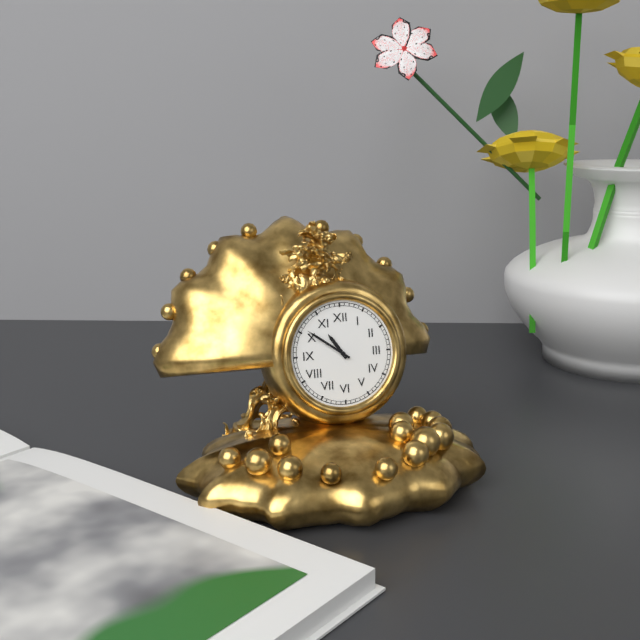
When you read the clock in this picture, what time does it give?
10:51
